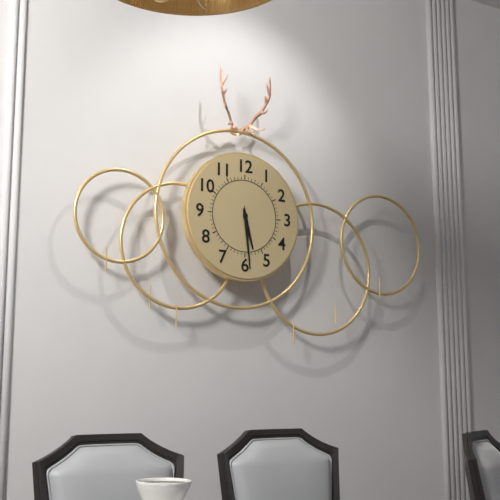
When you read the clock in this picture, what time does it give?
5:29
